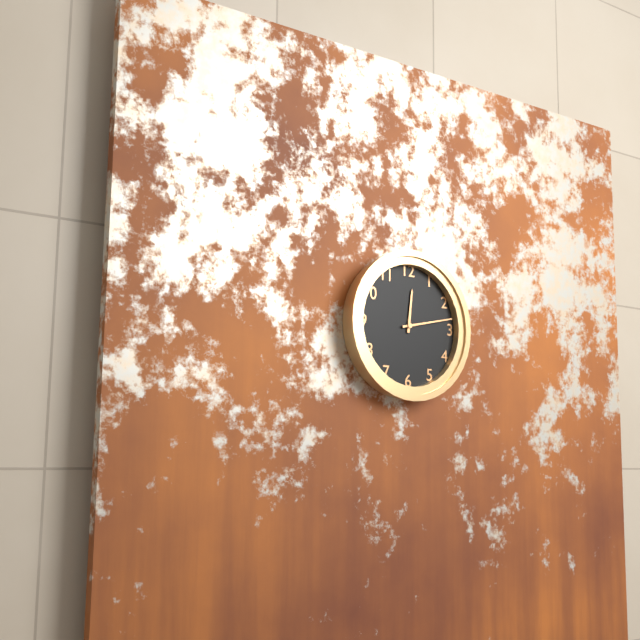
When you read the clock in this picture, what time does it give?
12:13
